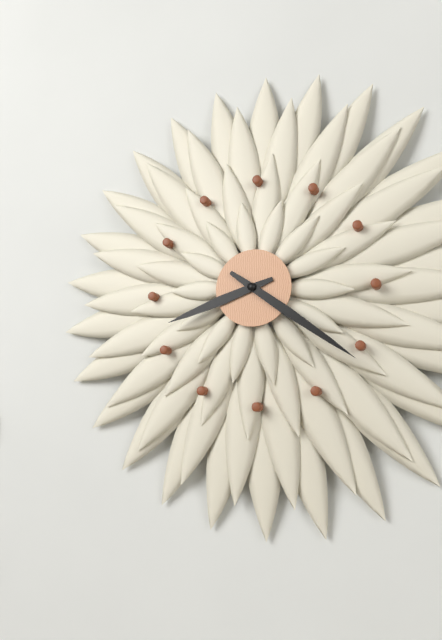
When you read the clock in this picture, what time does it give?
8:21
